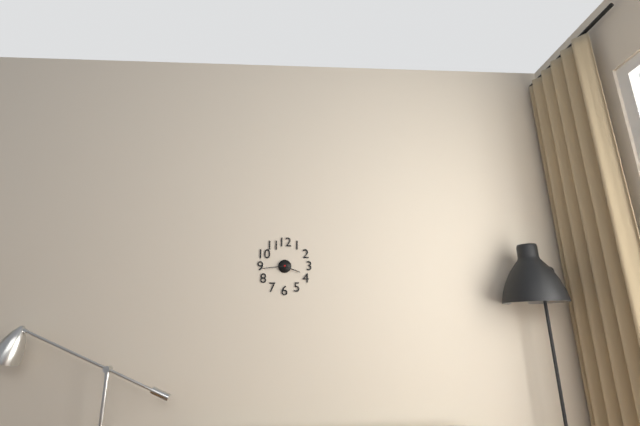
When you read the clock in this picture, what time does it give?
3:44
